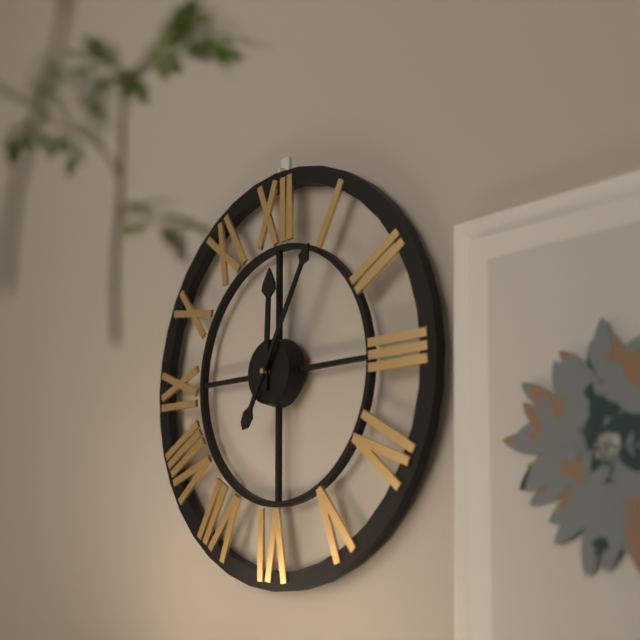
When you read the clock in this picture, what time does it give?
12:05
